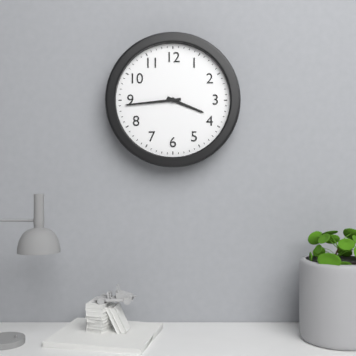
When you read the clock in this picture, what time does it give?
3:44
